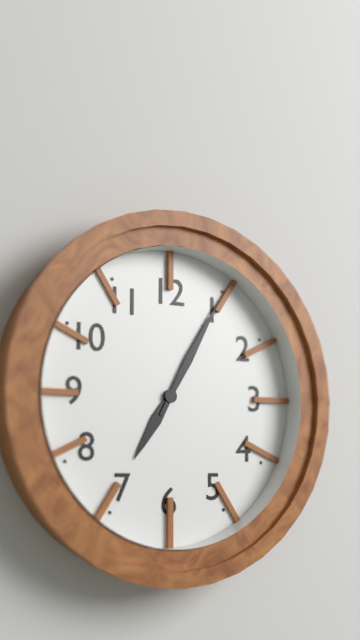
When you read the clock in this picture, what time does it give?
7:05
